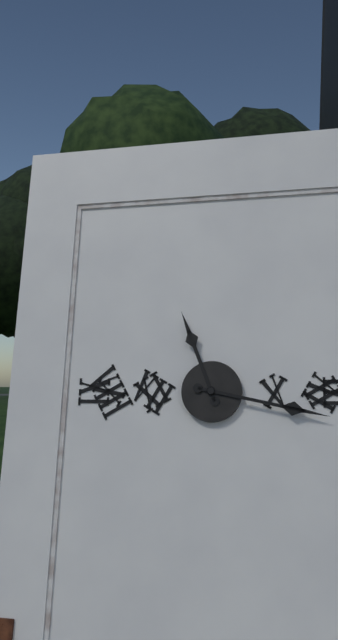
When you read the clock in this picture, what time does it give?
11:17
